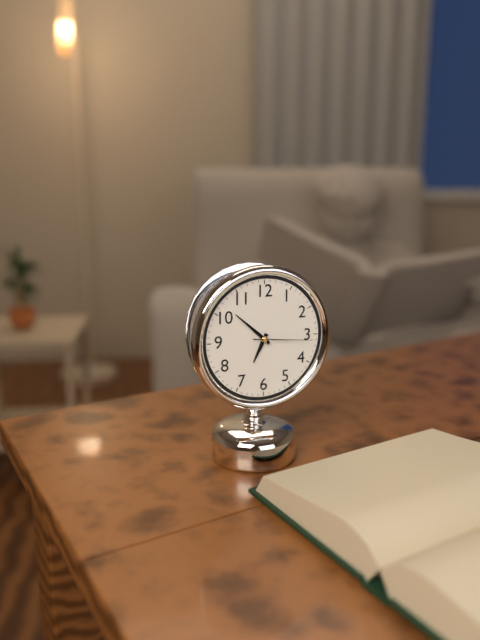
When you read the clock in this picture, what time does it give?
6:52:16
